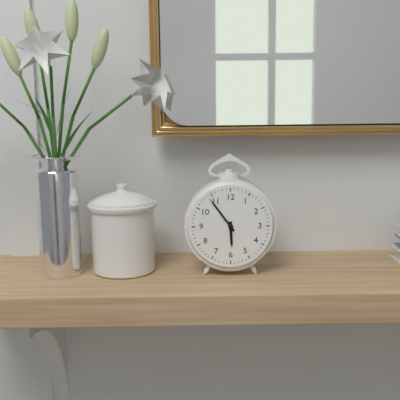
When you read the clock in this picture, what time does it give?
5:54
